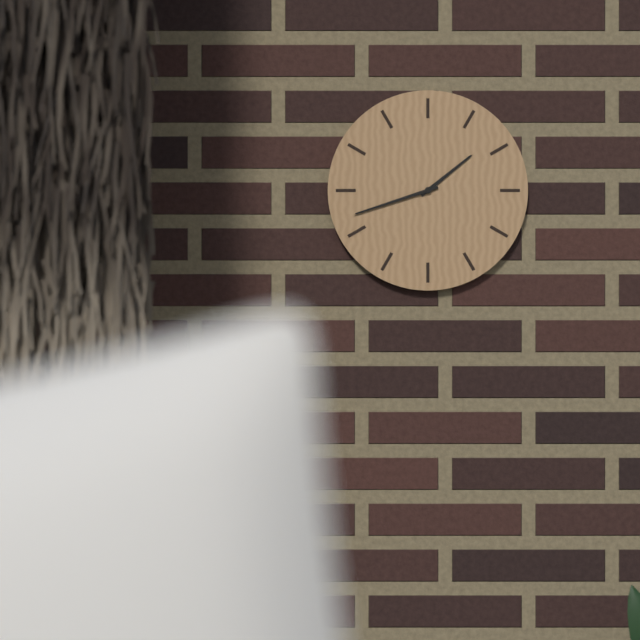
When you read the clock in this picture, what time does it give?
1:42
